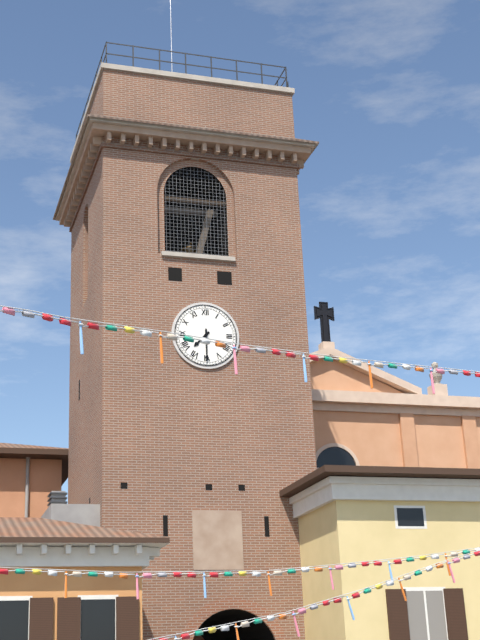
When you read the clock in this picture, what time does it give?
7:30
